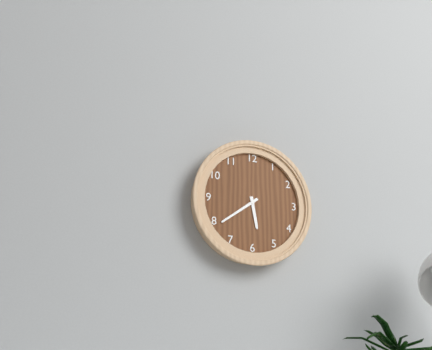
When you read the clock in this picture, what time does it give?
5:39
